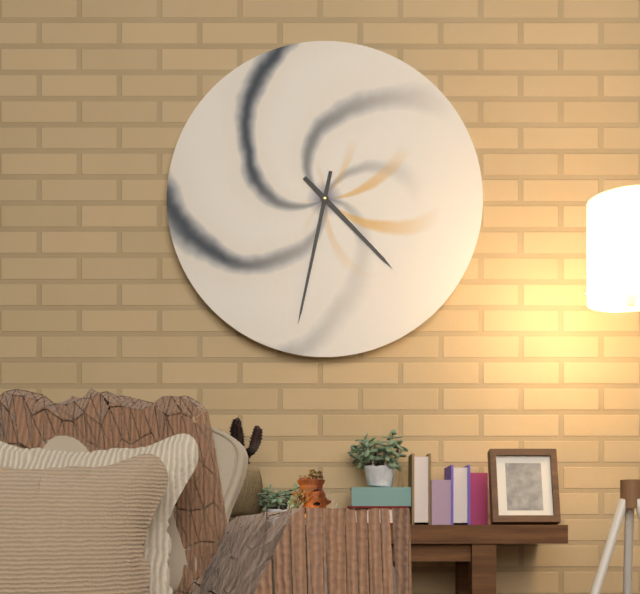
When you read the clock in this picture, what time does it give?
4:32
